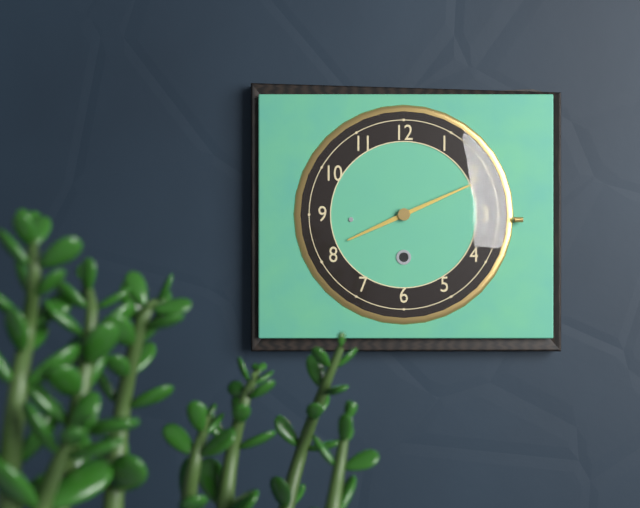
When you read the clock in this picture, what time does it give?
8:11
